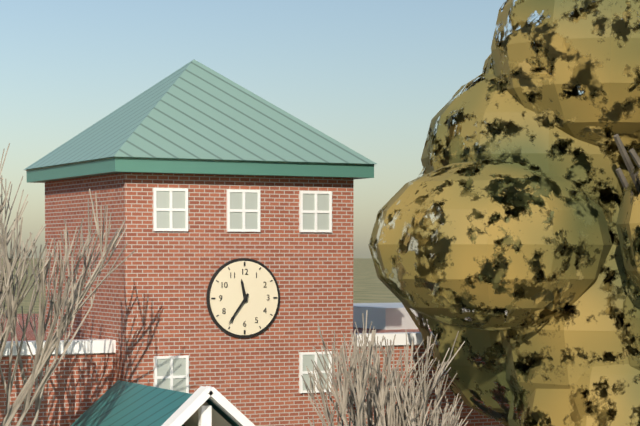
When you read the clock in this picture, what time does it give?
11:36
